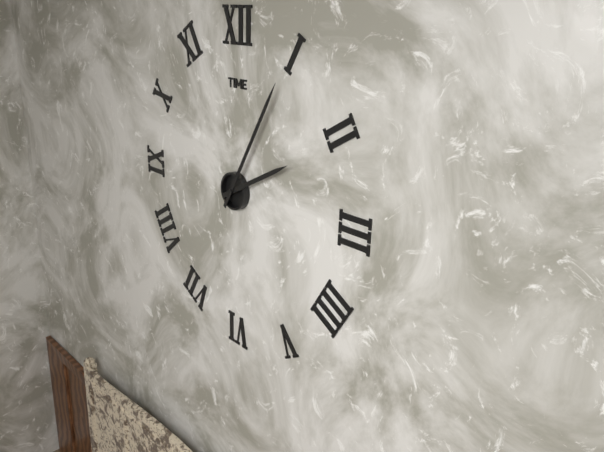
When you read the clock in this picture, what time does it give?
2:05
